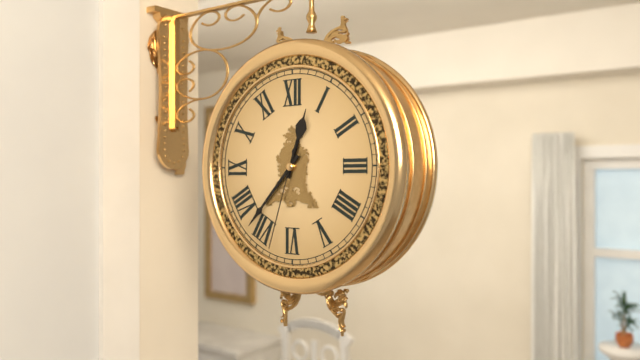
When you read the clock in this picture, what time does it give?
12:37:33
